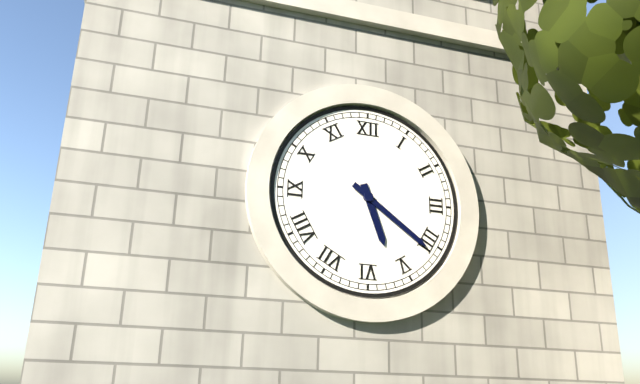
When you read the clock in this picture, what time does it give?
5:21
